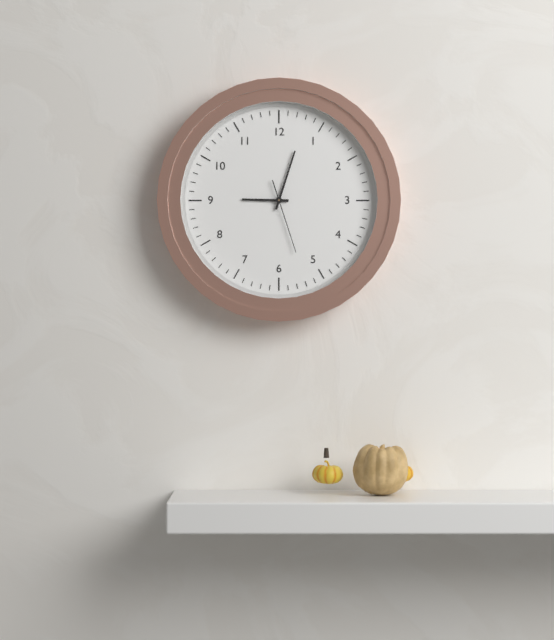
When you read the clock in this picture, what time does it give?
9:03:27
